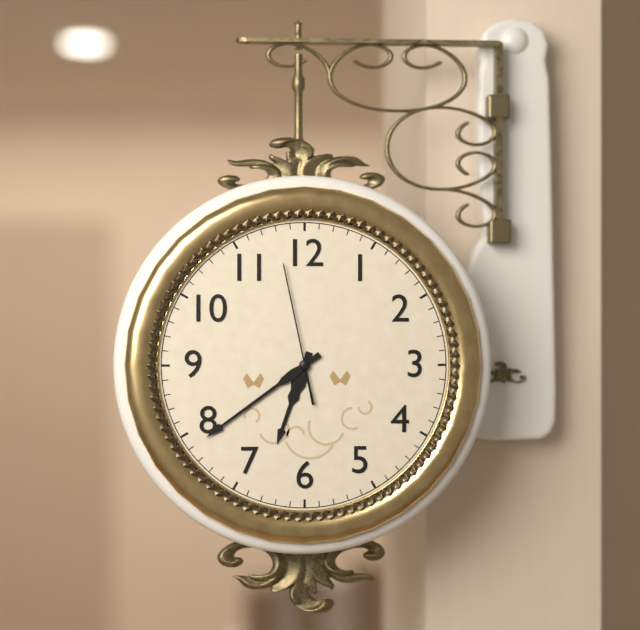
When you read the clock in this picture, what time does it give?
6:39:58
